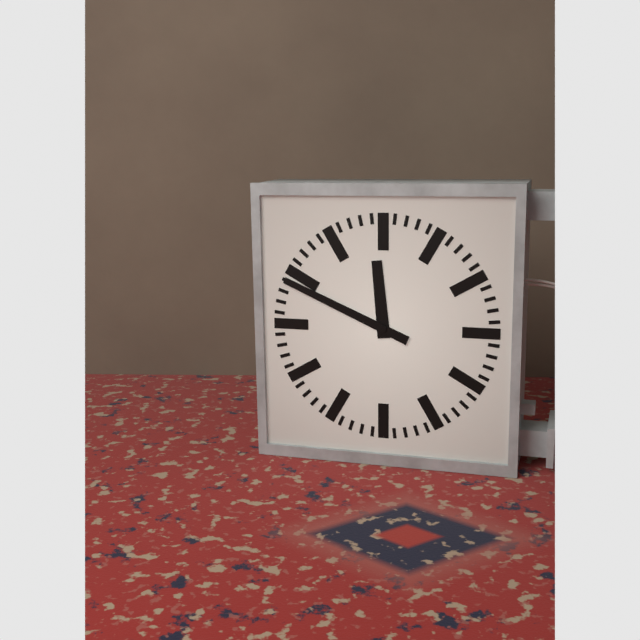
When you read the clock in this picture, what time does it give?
11:49
